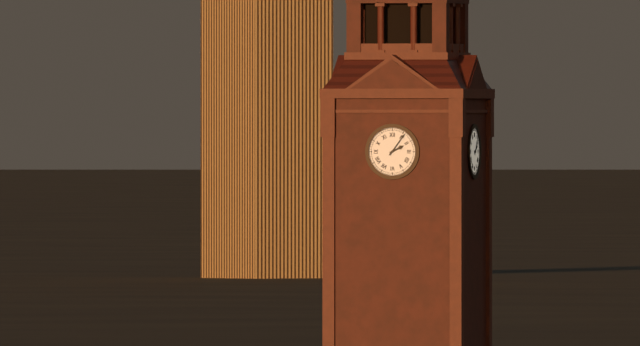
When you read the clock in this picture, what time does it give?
2:06
